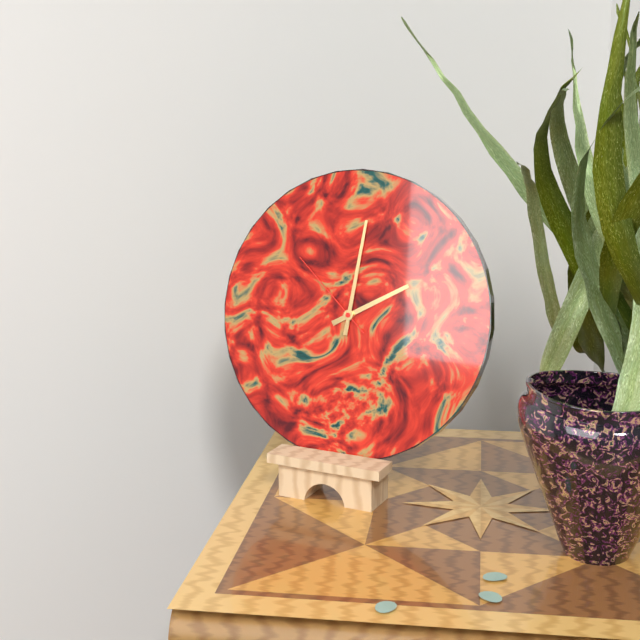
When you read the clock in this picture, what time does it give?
2:01:52
